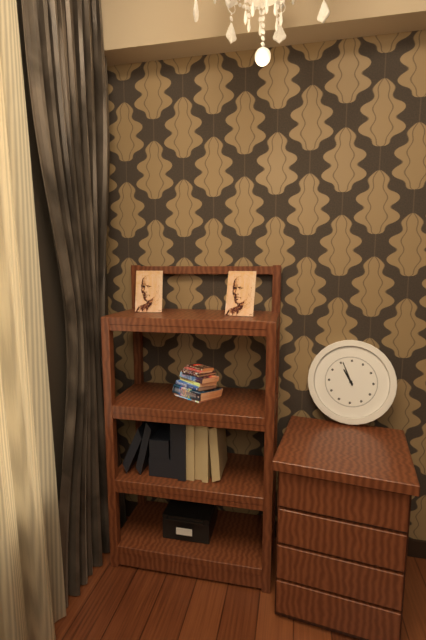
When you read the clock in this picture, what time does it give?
10:56
